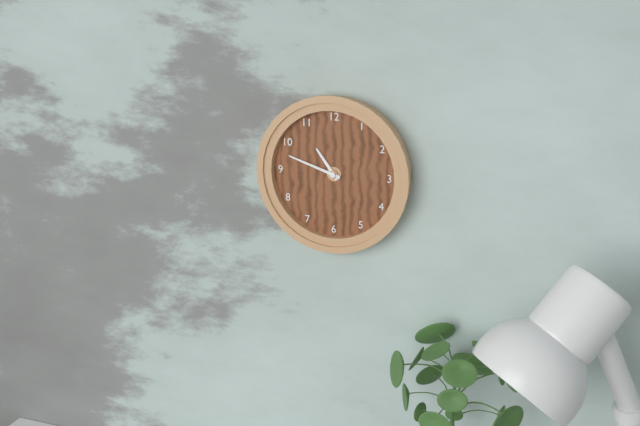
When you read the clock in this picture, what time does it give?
10:48
